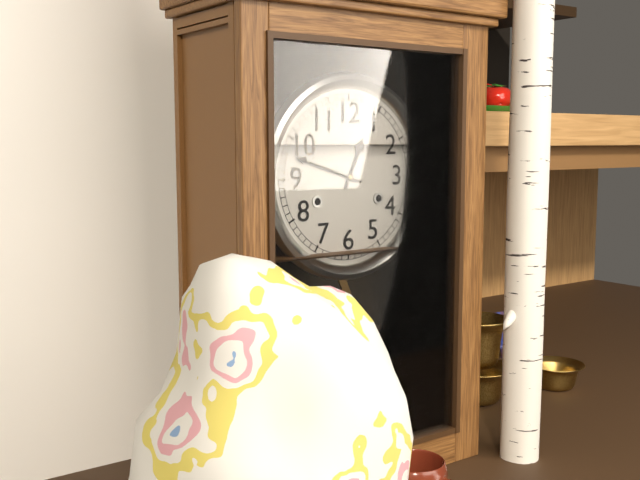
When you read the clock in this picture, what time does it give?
12:48
